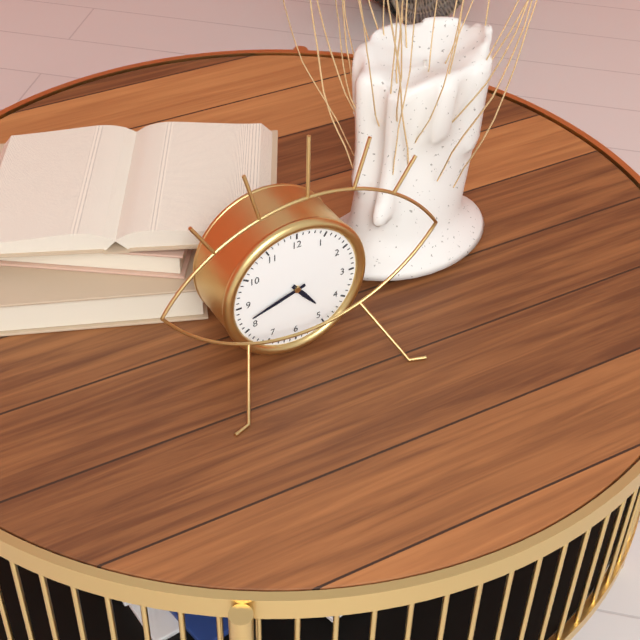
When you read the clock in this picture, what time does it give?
4:42
